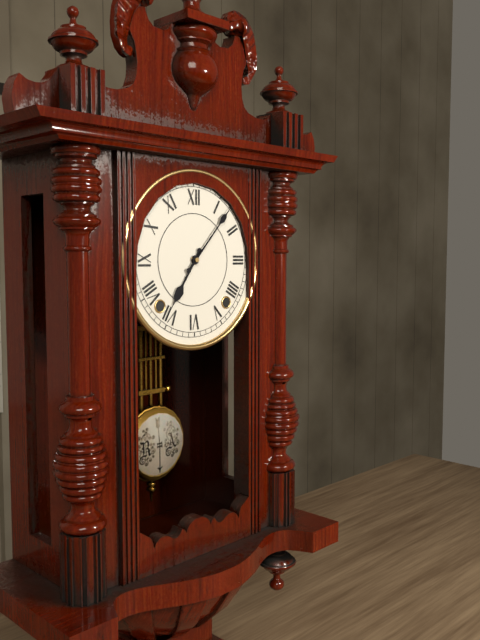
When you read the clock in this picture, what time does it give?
7:07
